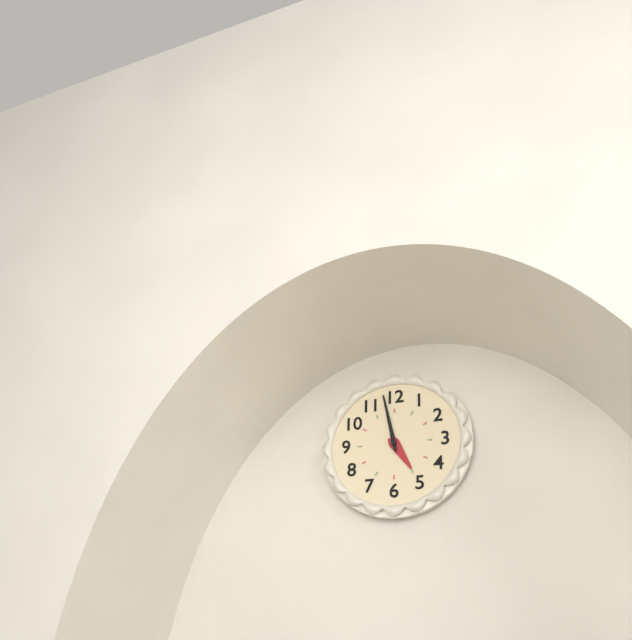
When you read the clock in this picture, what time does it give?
4:58
